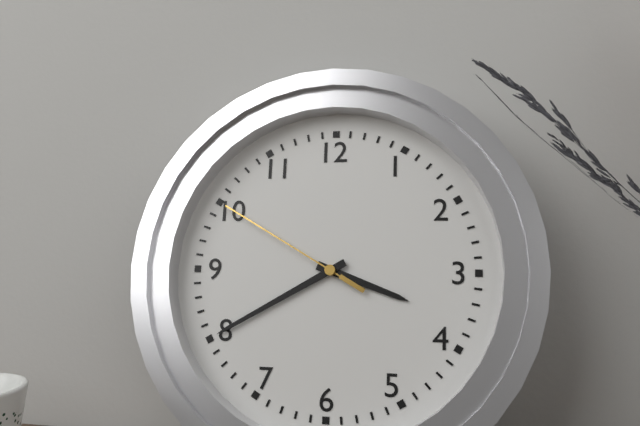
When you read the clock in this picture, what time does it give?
3:40:50
